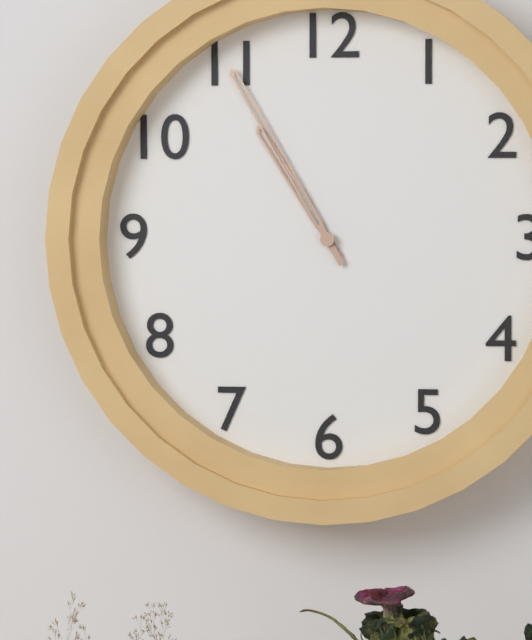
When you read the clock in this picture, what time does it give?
10:55
